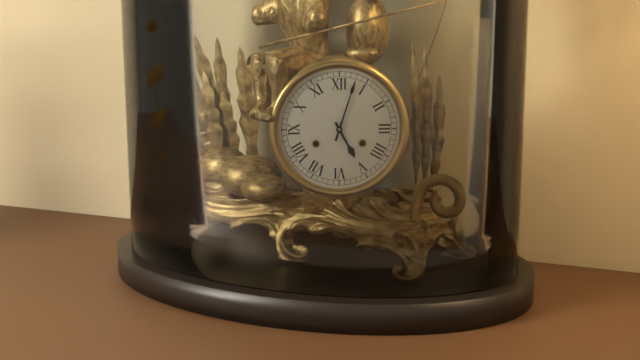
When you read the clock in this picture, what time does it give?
5:03
